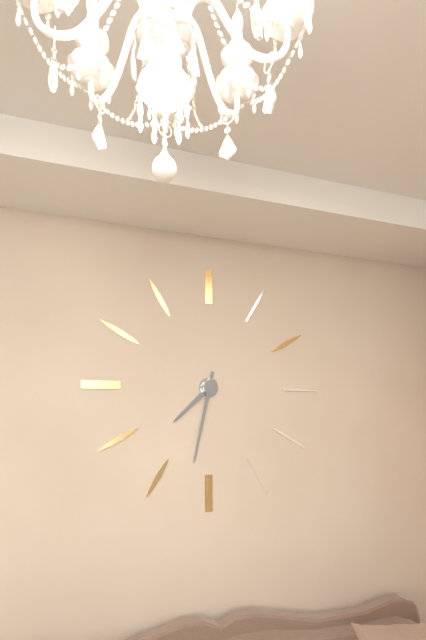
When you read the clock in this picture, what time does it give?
7:32
